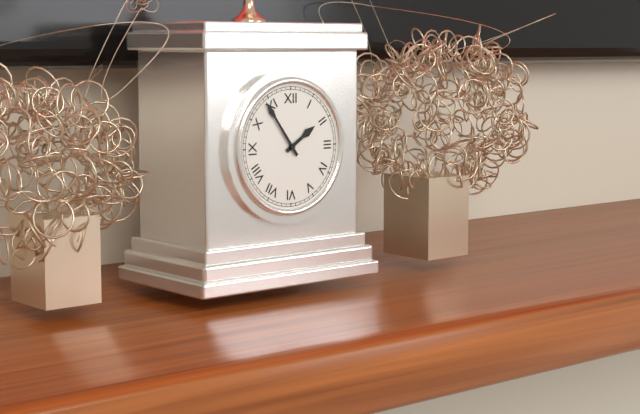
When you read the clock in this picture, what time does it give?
1:54
